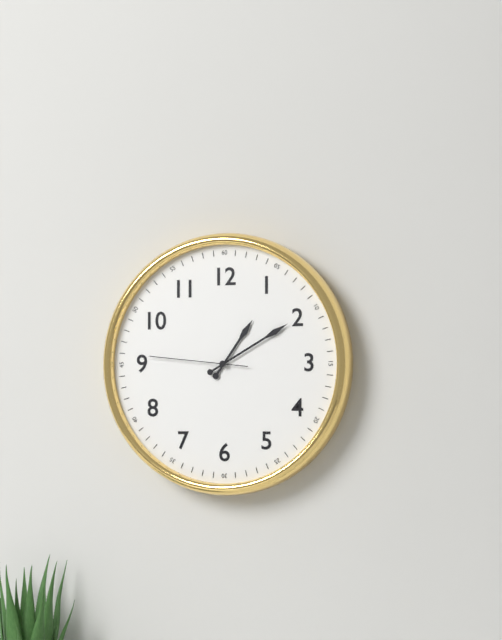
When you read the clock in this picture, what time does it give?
1:10:46
